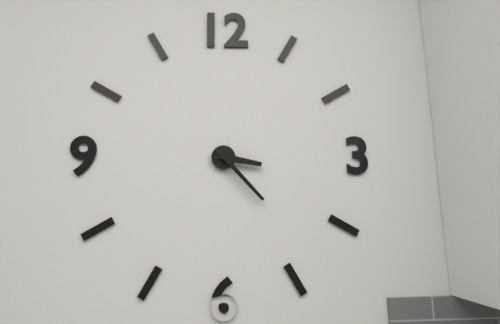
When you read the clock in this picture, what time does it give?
3:23
